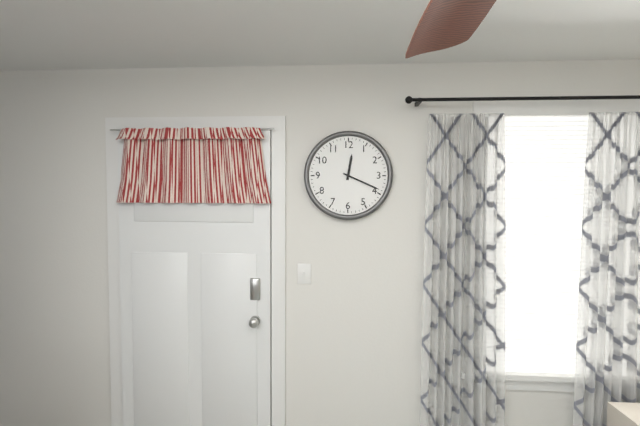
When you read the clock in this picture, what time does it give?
12:19
